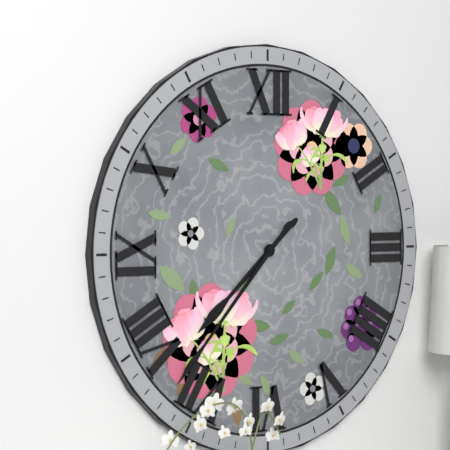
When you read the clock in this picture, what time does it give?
7:37
